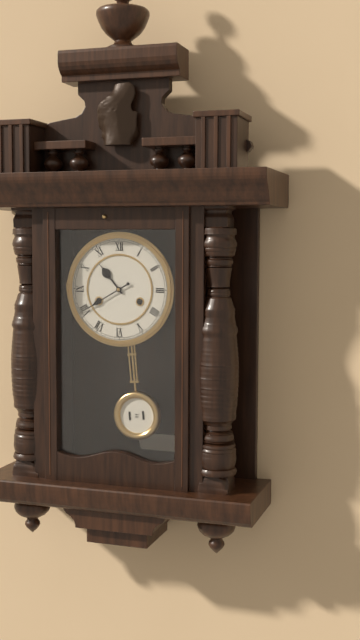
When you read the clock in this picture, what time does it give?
10:40
